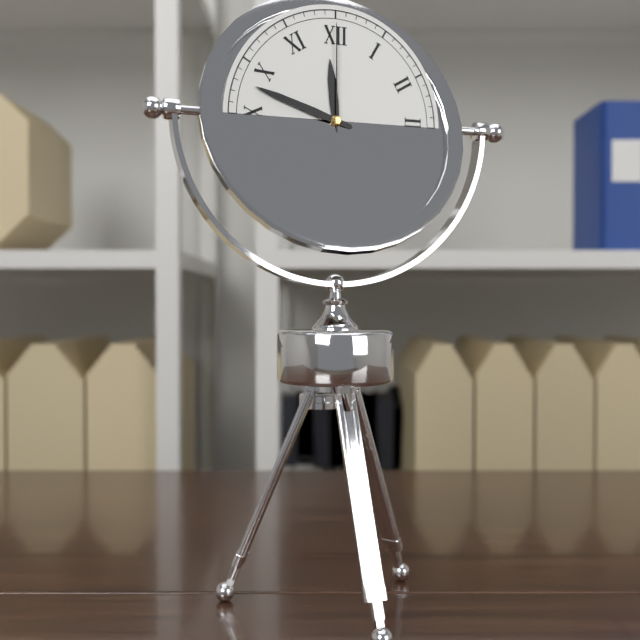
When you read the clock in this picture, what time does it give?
11:48:00
